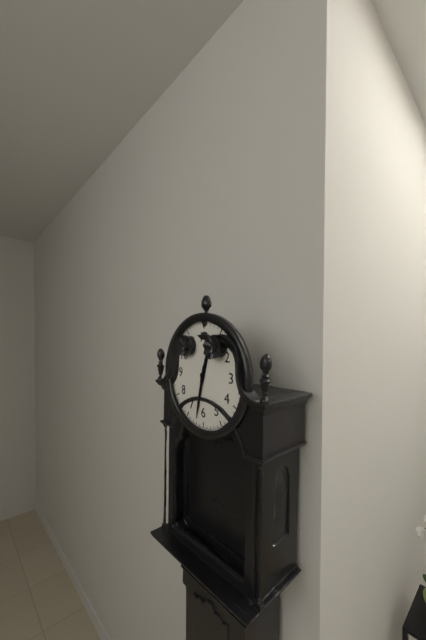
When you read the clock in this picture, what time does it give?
12:32
